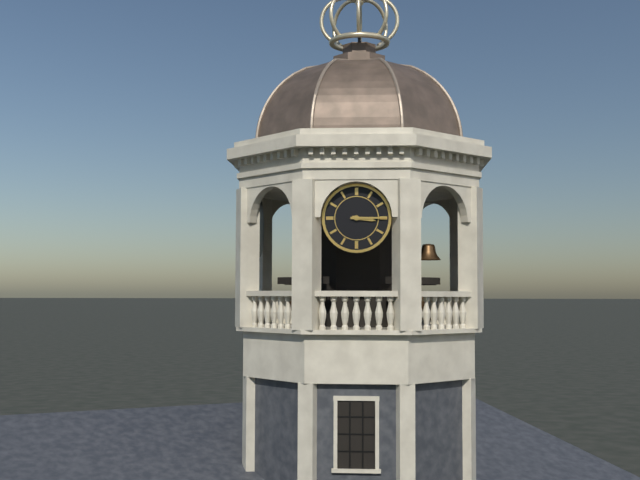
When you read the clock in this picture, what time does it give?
3:15
